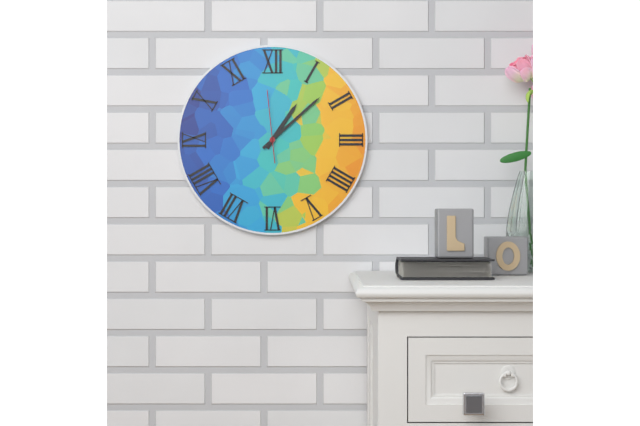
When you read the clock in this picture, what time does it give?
1:08:59
